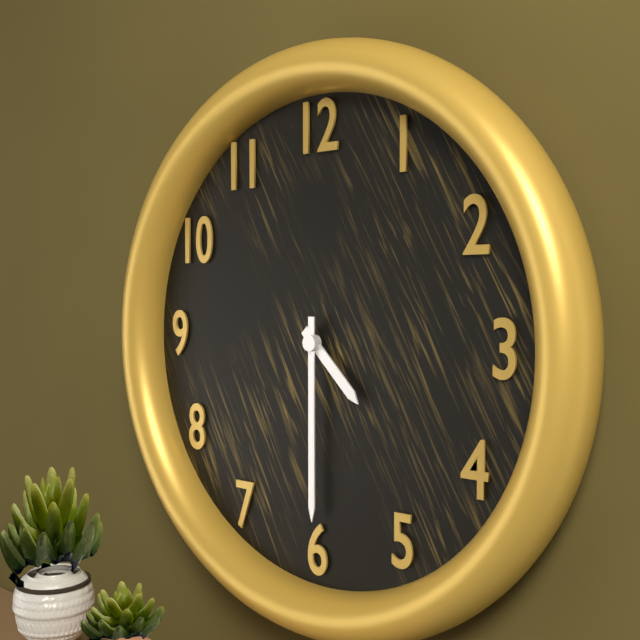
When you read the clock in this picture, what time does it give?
4:30
